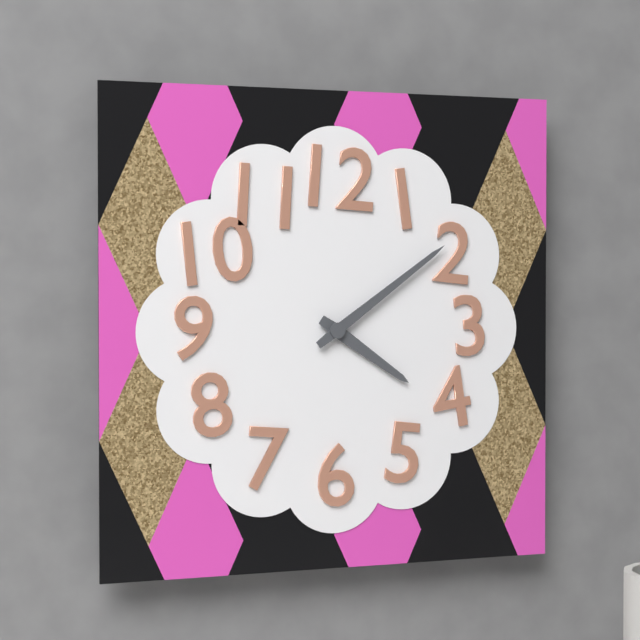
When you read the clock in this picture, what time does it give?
4:09
